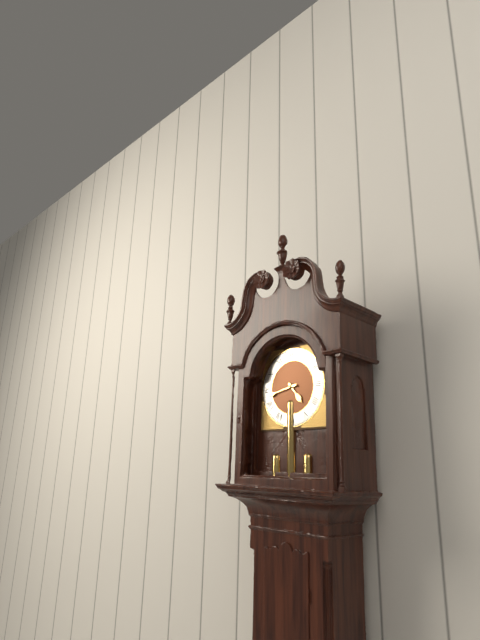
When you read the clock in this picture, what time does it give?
4:43
